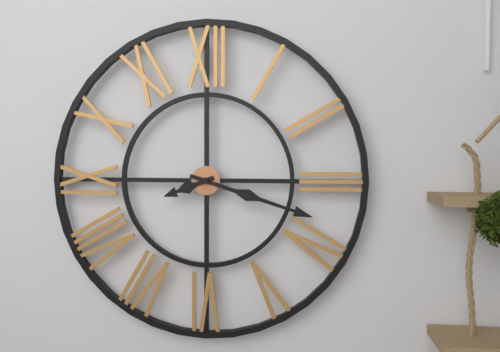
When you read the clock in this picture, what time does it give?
8:18
